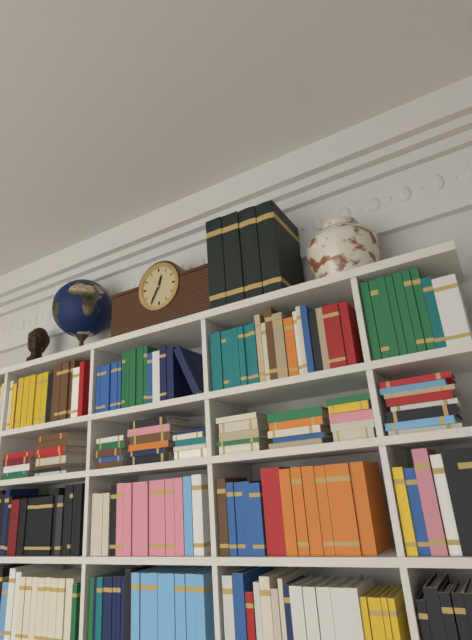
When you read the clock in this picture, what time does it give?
12:35
